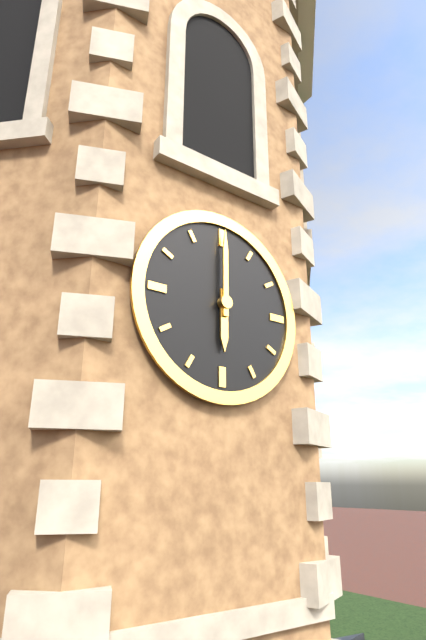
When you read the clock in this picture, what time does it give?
6:00
